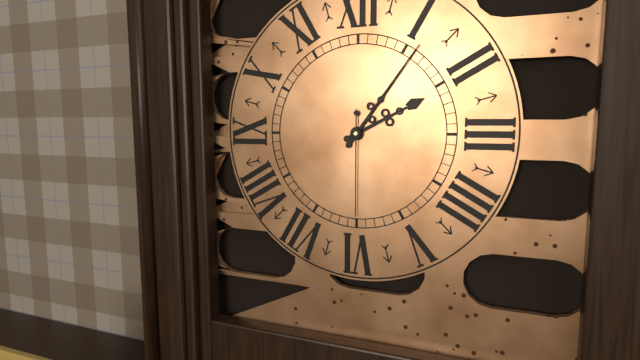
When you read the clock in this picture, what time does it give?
2:06:30
